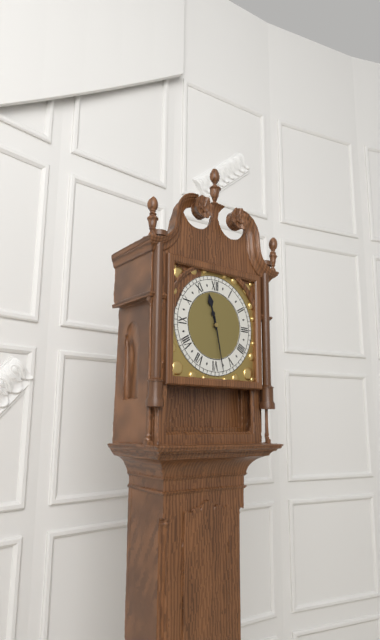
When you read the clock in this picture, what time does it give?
11:28
